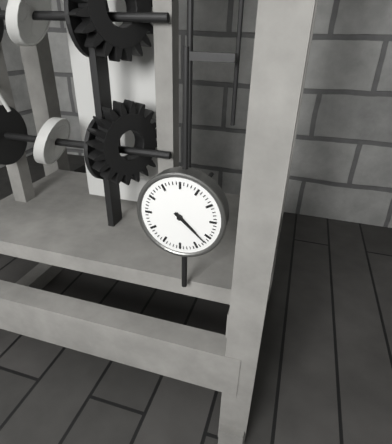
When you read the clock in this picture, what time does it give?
4:22
